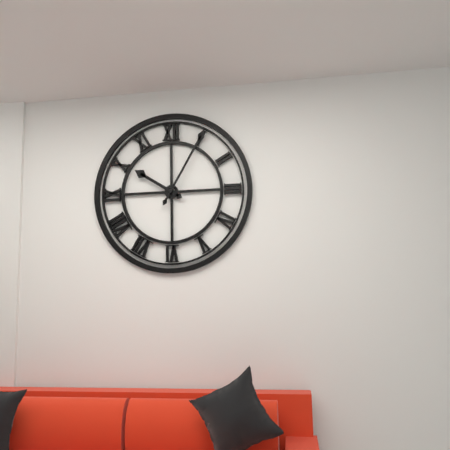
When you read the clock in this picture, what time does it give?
10:05
